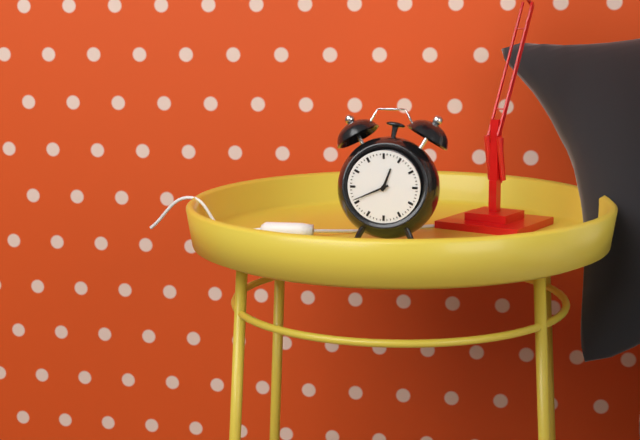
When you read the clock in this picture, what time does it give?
12:41
